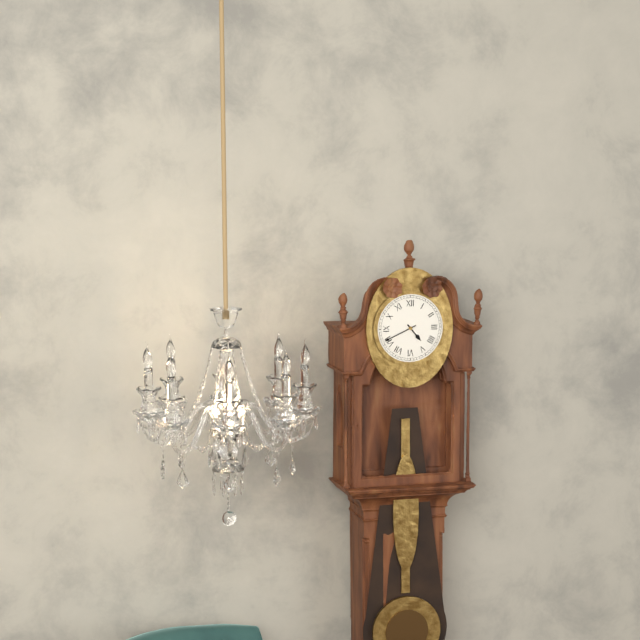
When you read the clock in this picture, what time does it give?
4:41
